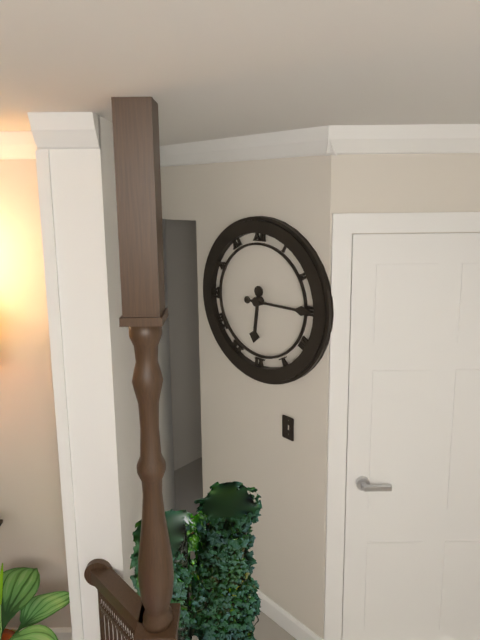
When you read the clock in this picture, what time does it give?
6:15
